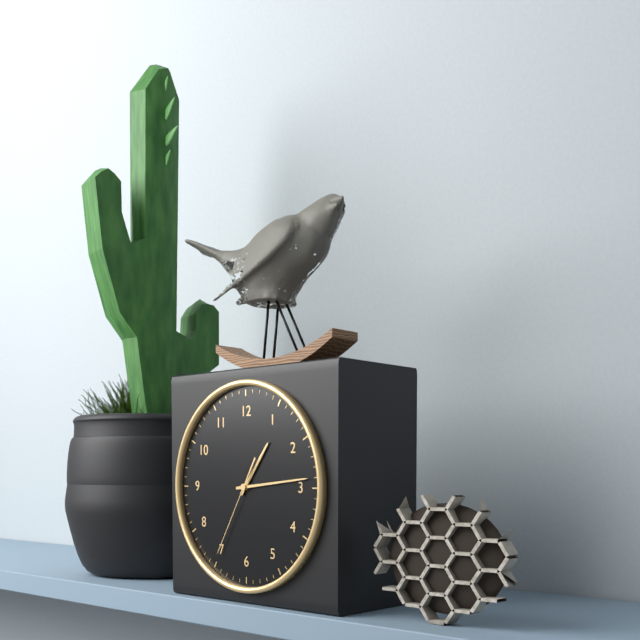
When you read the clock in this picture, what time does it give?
1:14:35
